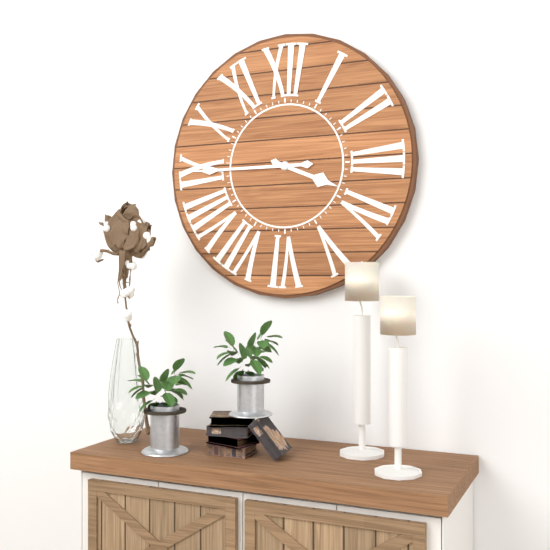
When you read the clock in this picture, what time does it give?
3:45
